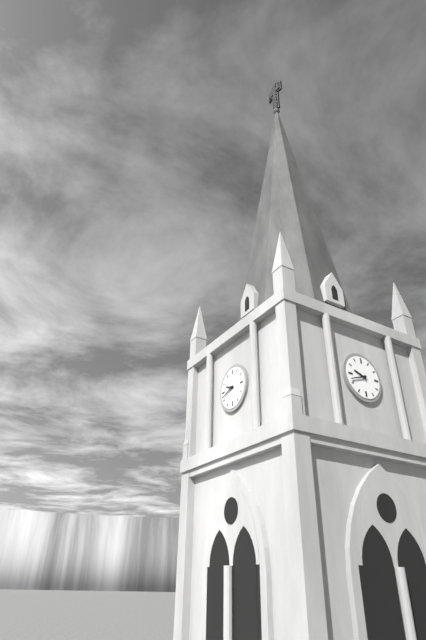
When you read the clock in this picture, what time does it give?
9:42
